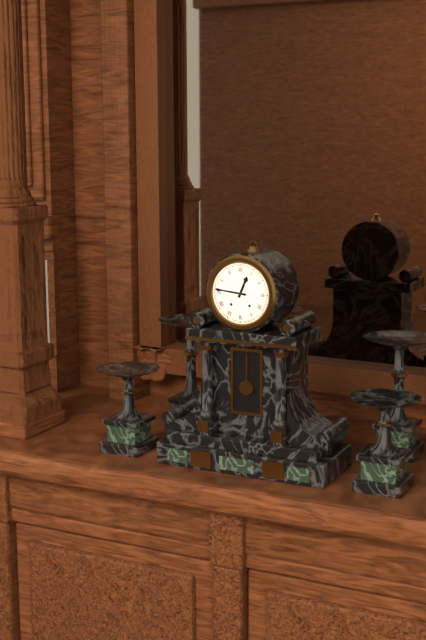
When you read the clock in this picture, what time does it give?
12:46
